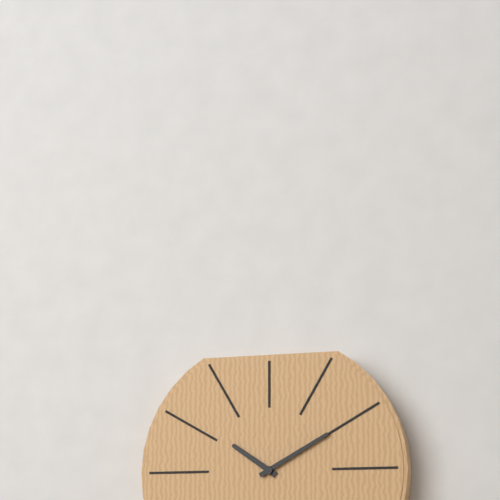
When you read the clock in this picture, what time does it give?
10:10
